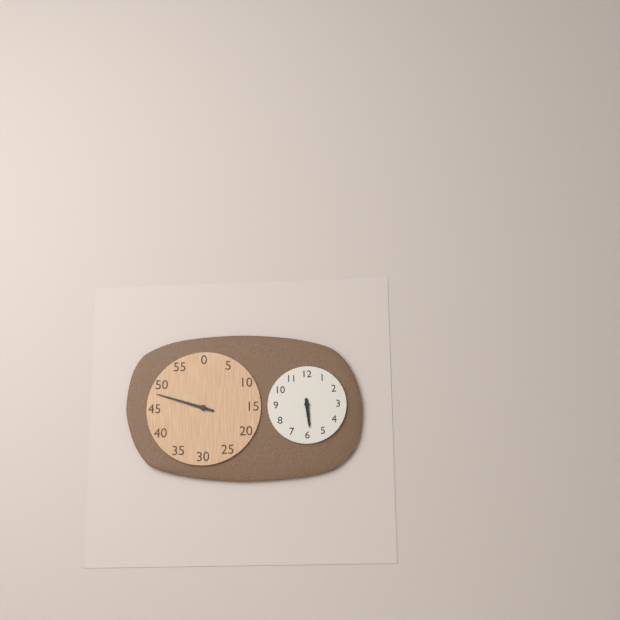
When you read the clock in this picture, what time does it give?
5:48
